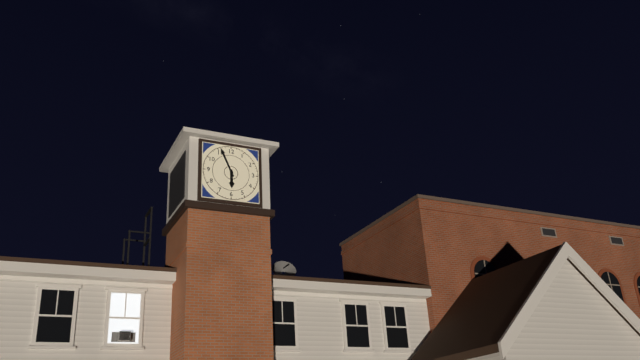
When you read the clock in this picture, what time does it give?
5:56
